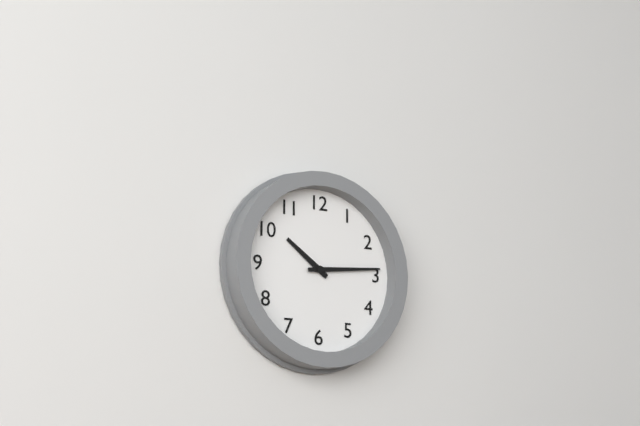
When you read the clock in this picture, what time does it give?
10:14
